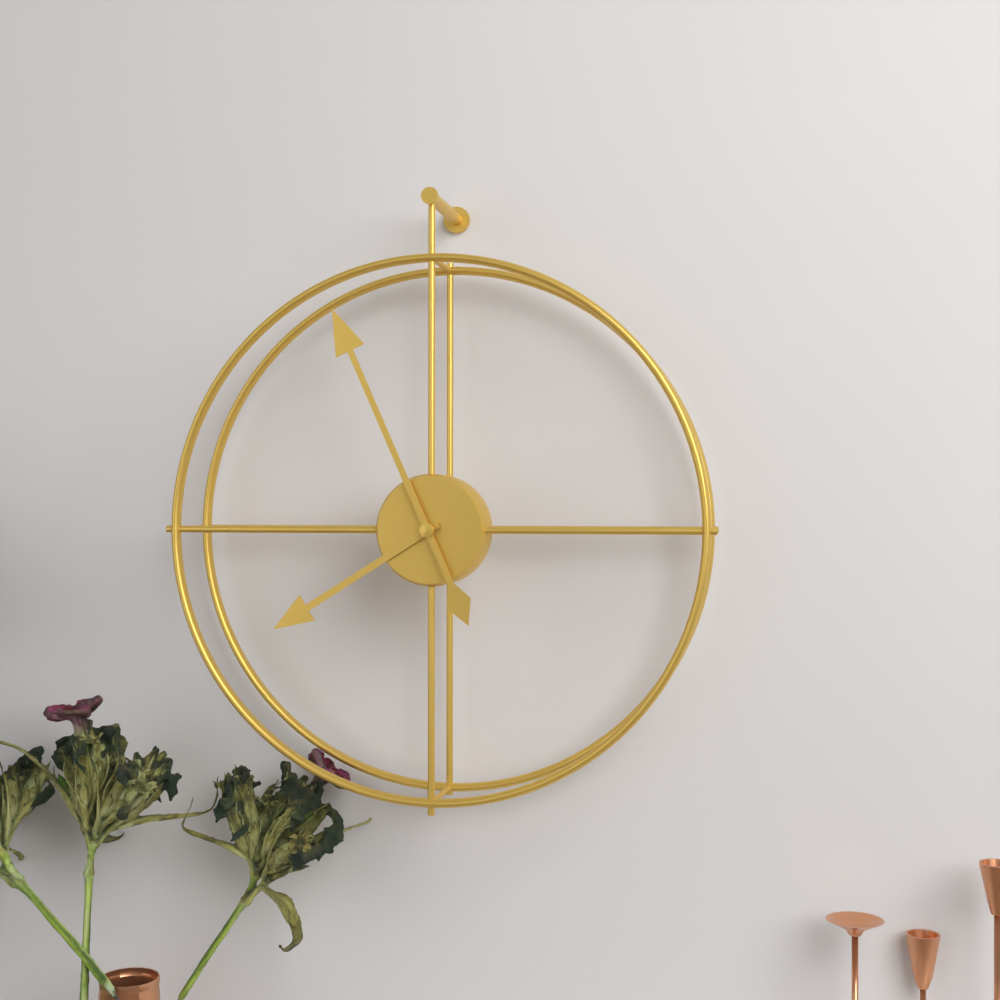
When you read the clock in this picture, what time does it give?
7:56
